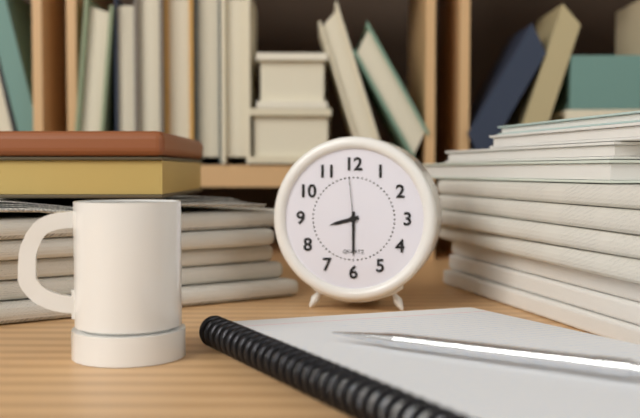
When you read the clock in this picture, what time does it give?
8:30:59
